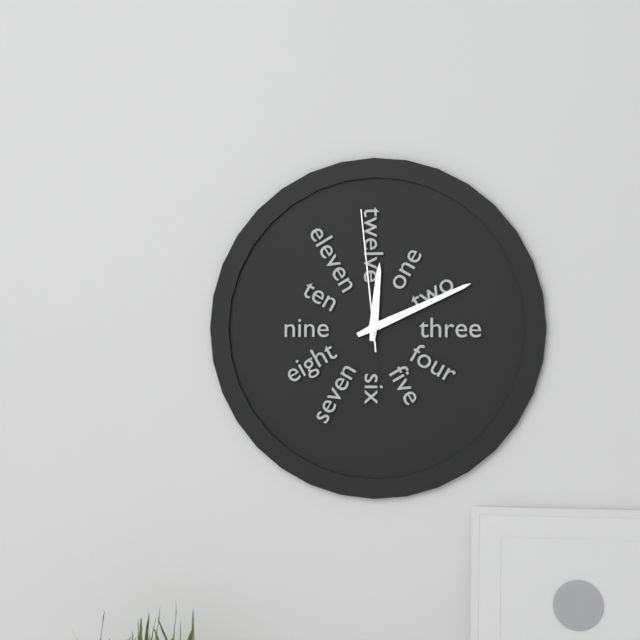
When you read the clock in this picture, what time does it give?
12:11:59
